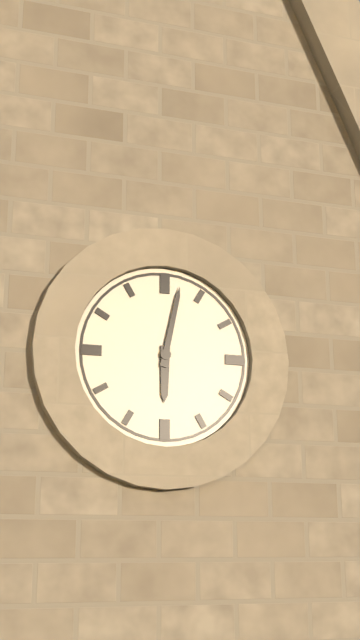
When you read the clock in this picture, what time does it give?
6:02
